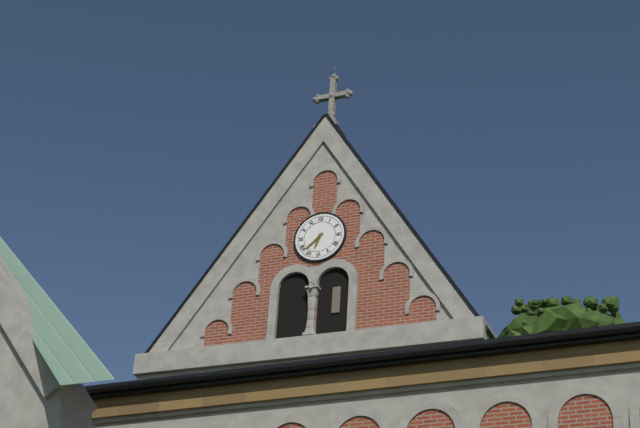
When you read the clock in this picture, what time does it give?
6:38
